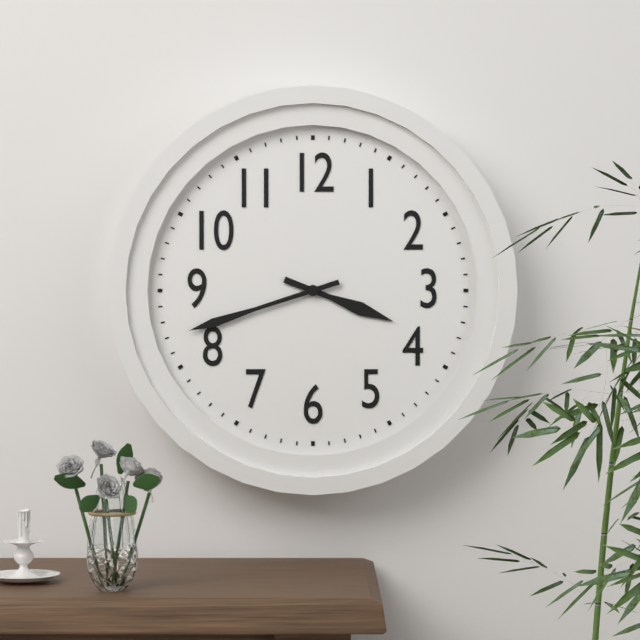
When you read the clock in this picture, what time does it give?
3:42
